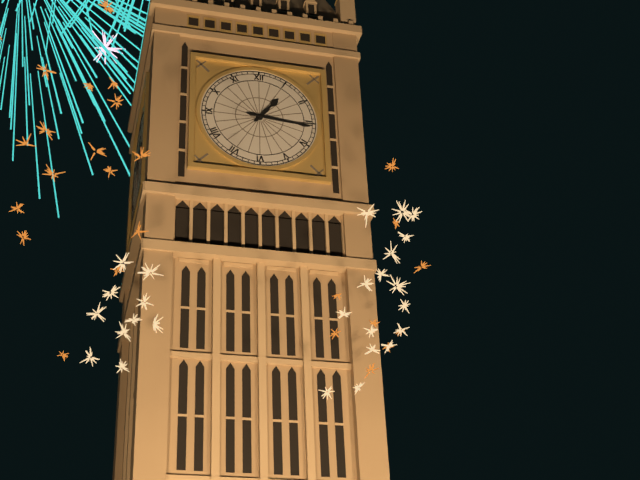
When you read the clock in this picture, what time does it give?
1:16
